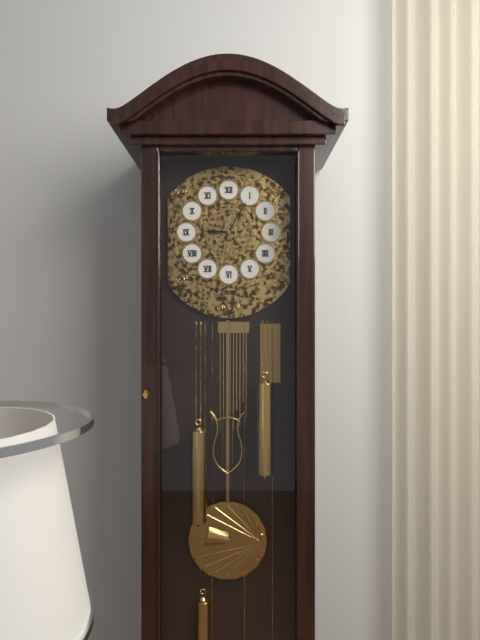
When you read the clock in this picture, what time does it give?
9:05
